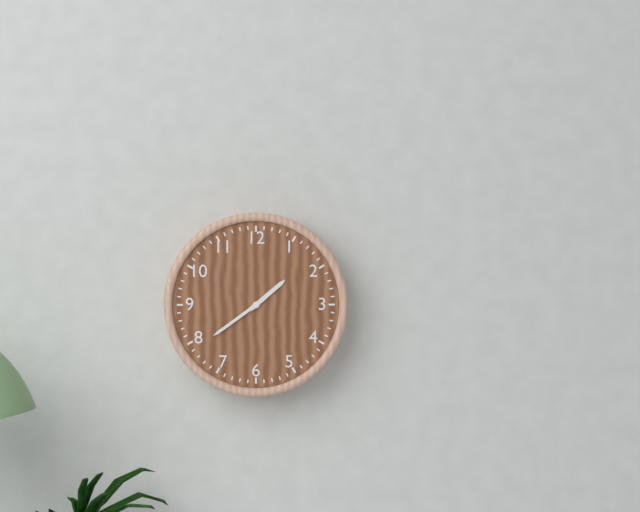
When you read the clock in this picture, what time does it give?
1:39
